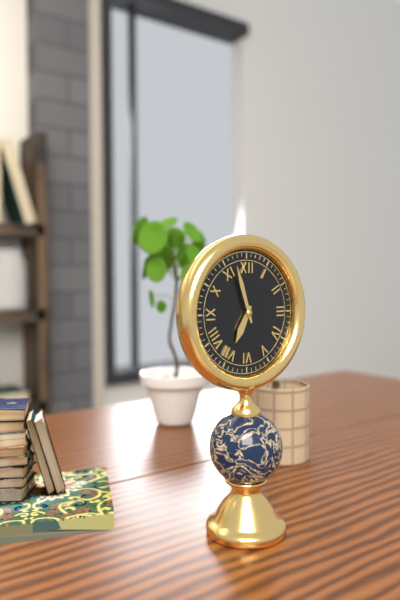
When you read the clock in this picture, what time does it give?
6:57
